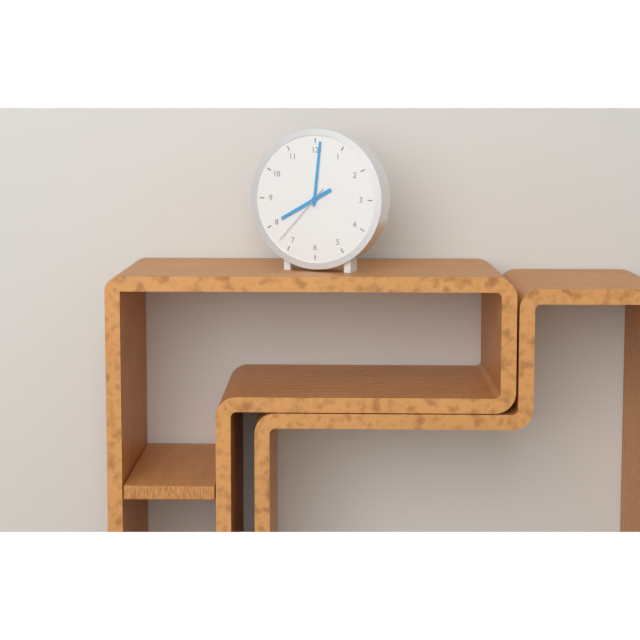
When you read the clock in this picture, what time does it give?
8:01:37
